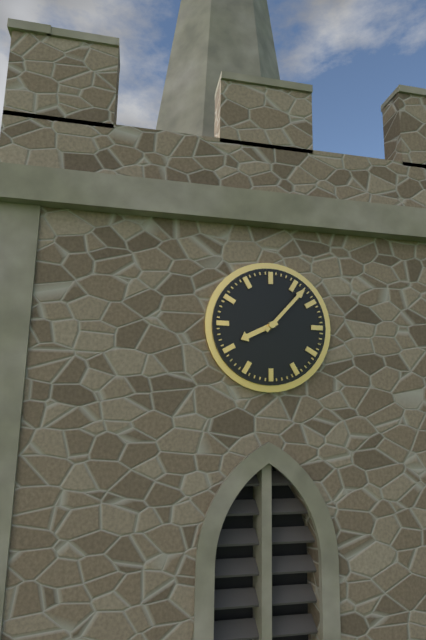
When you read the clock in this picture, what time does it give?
8:07
